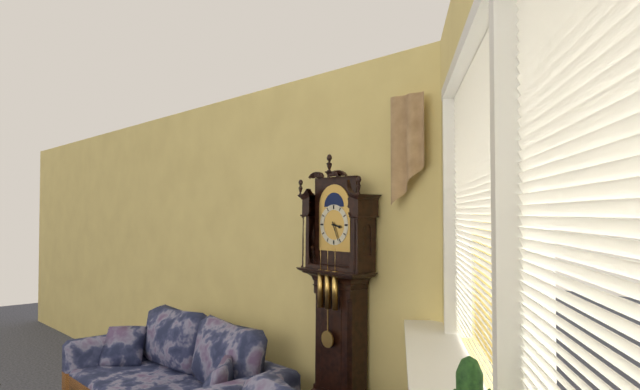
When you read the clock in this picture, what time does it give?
3:26
